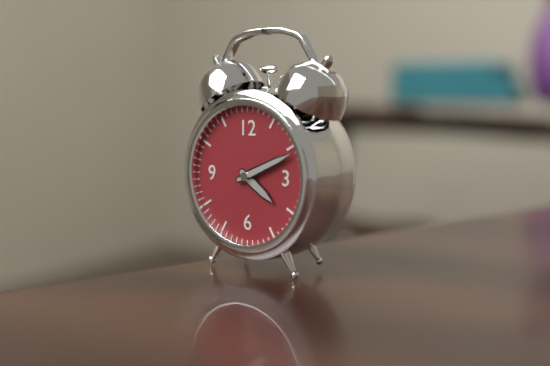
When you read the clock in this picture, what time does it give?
4:11
